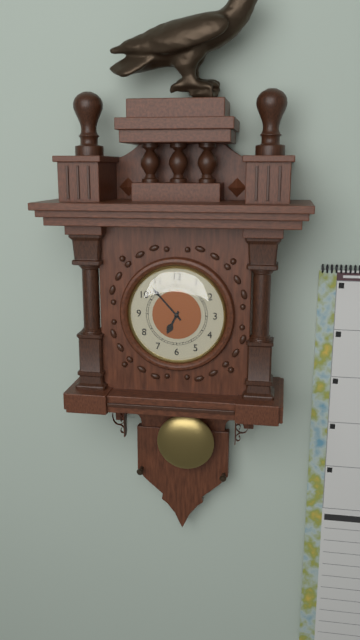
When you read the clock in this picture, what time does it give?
6:53
